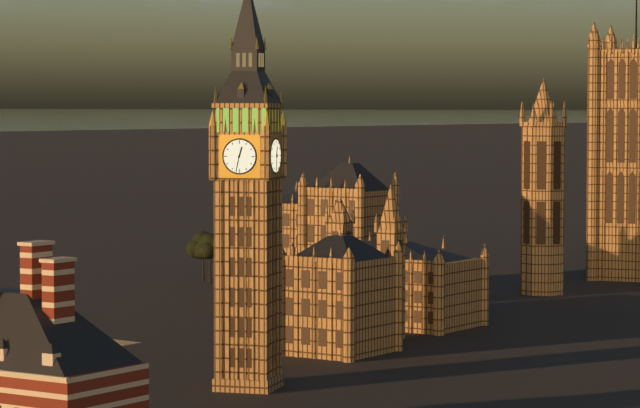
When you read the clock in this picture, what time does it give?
12:32
